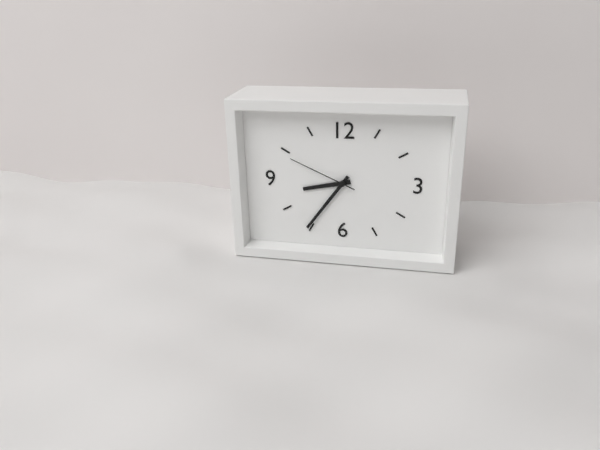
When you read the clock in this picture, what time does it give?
8:36:49
